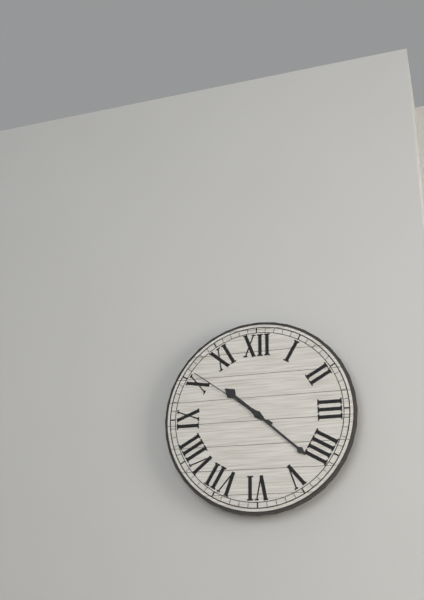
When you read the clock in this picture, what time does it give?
10:22:51
